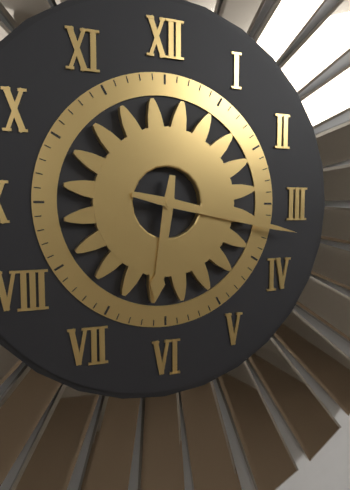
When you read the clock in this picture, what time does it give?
6:17
